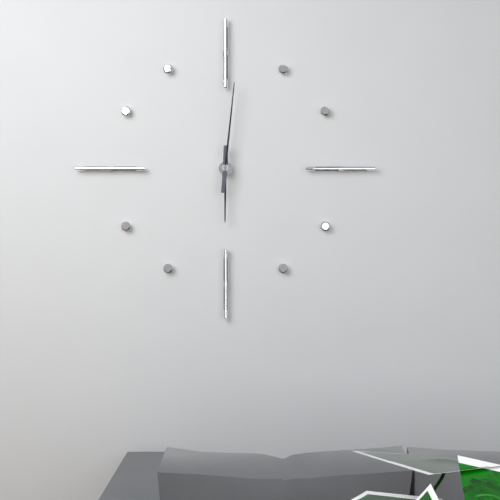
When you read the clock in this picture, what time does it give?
6:01
